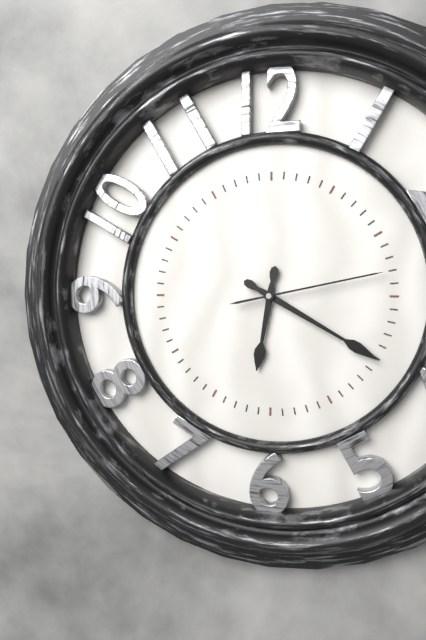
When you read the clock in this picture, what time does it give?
6:20:13
